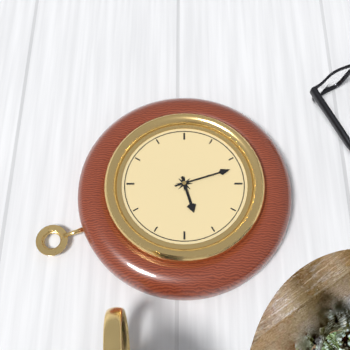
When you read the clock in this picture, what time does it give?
8:27
